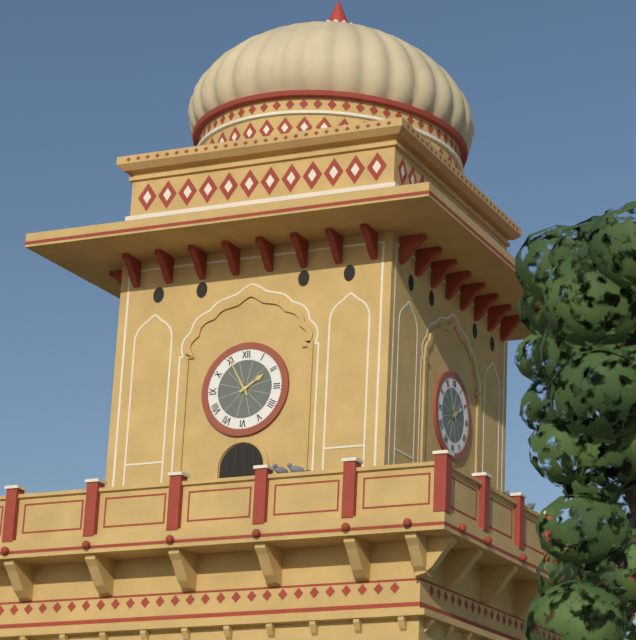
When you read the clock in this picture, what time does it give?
1:55
